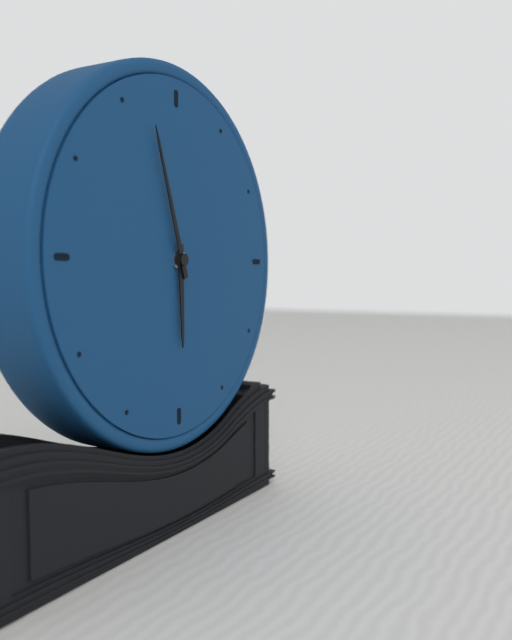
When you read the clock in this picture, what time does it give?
5:57
